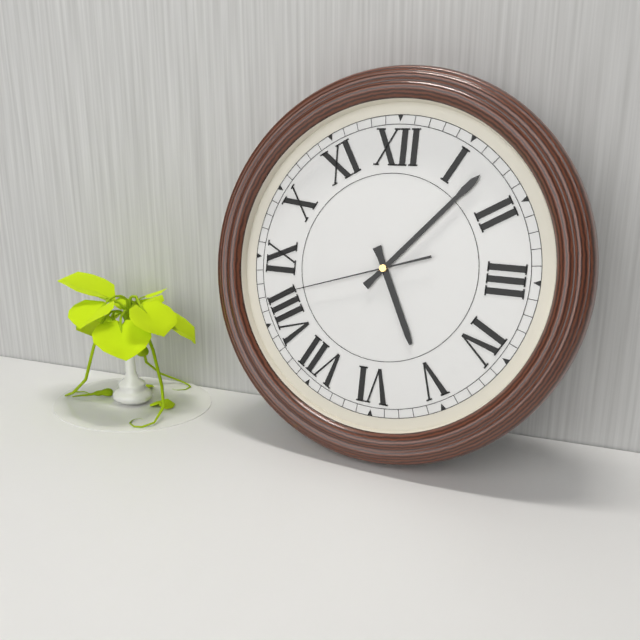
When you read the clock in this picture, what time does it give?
5:07:42
